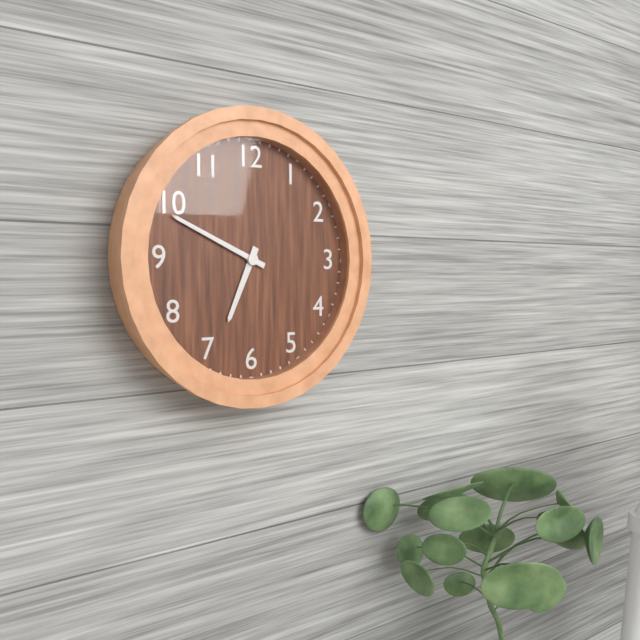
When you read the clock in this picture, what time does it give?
6:49
